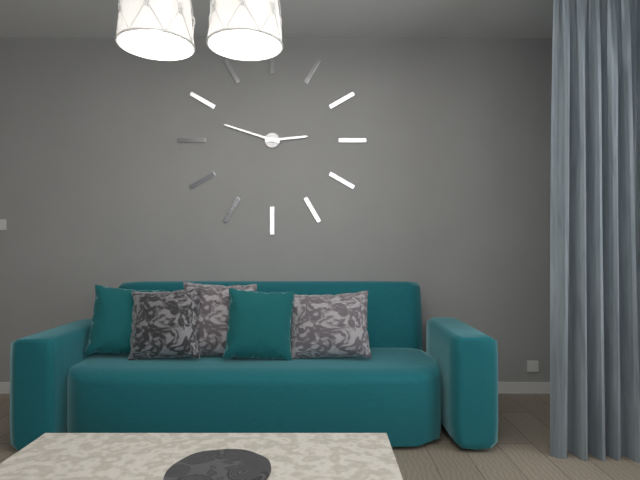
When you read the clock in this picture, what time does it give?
2:48
